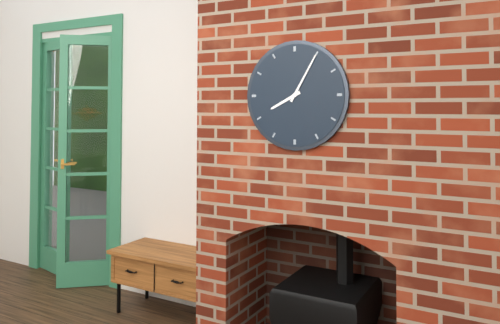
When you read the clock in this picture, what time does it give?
8:05
